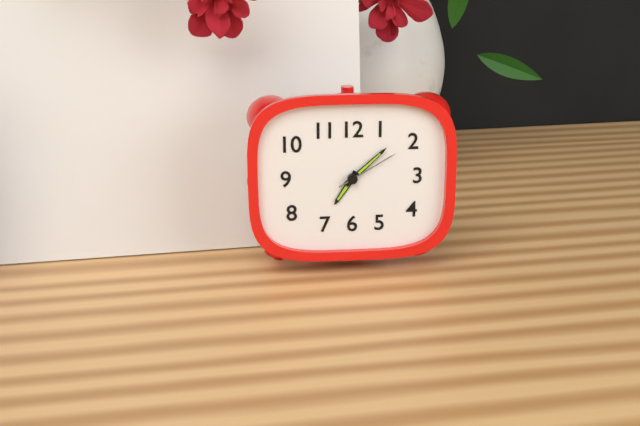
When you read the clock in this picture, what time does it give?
7:08:10
